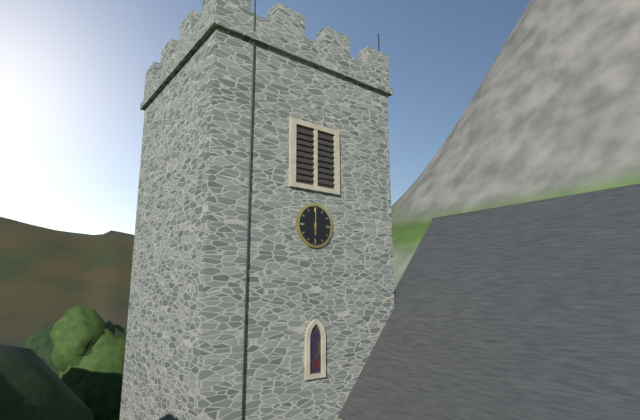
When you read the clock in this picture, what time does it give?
6:00
